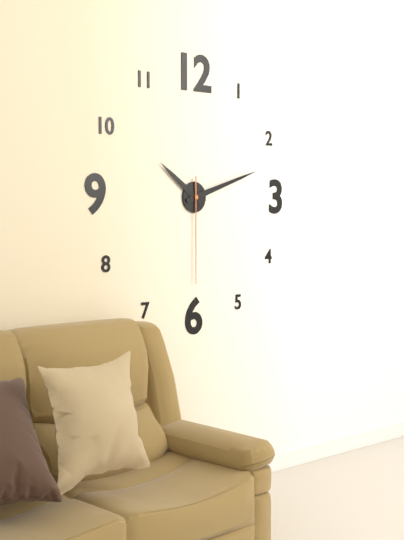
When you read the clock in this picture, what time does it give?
10:12:30
